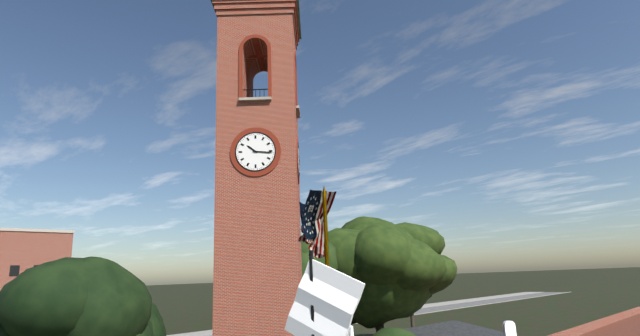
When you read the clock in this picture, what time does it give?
10:16
